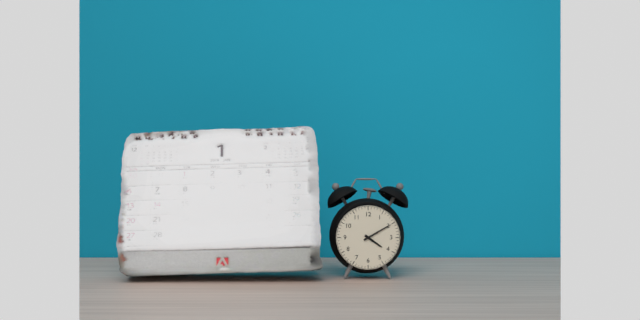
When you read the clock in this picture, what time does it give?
4:10
